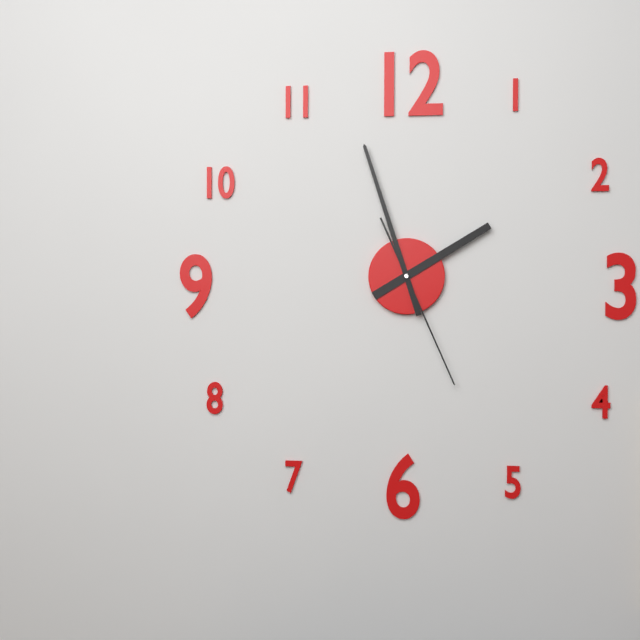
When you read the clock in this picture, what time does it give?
1:57:26
